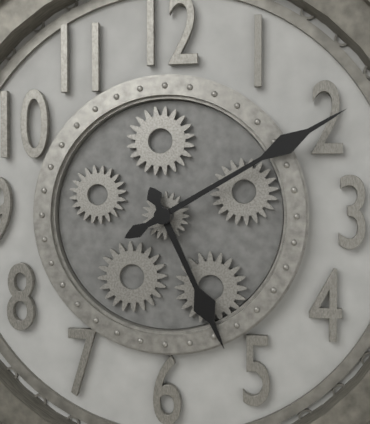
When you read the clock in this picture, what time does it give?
5:10
